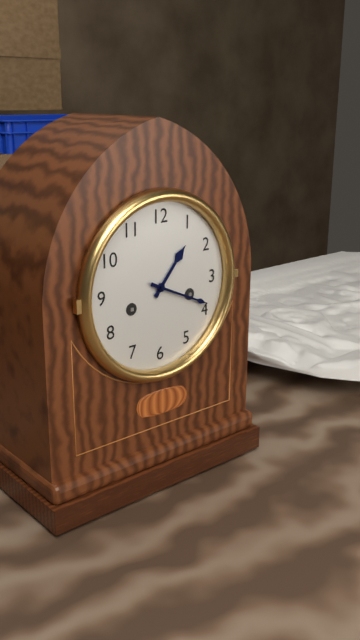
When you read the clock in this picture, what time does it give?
1:19
